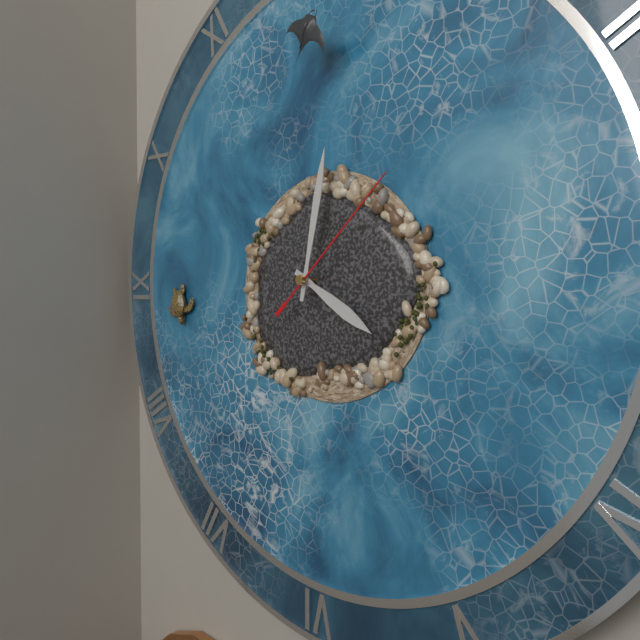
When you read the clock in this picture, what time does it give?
4:02:08
